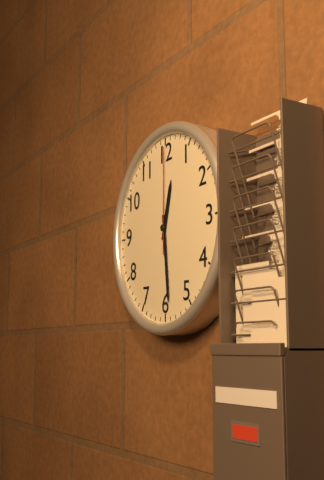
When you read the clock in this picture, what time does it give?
12:29:00
